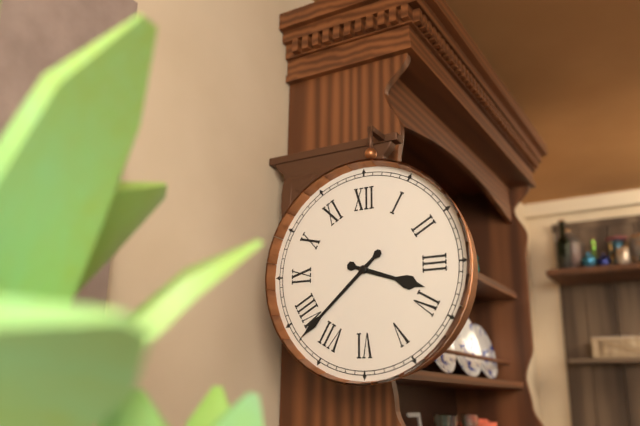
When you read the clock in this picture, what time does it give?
3:38
